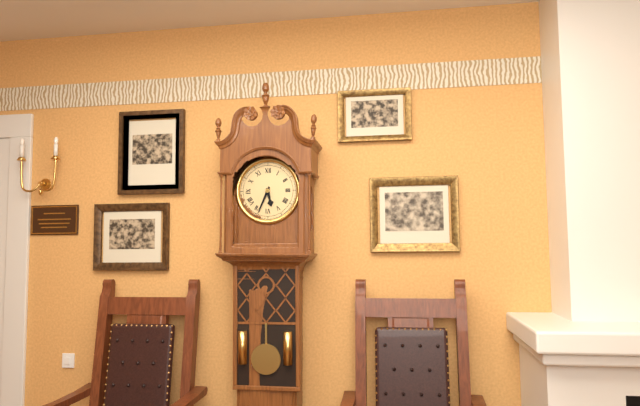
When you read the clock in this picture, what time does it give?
5:34
